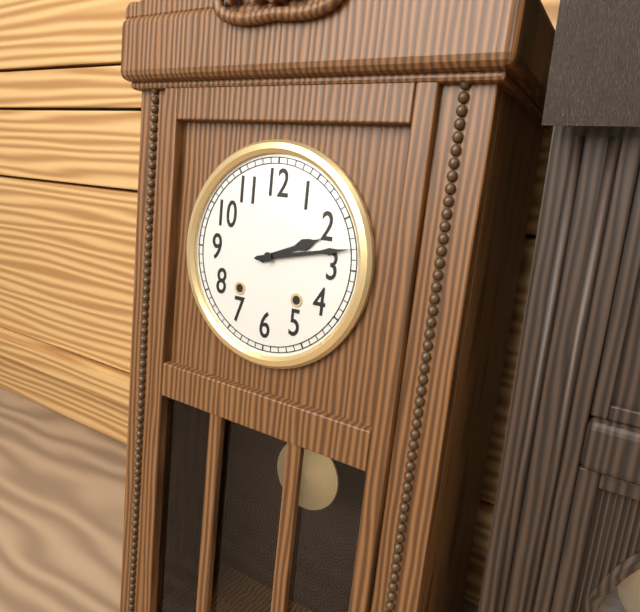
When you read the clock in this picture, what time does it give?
2:13
